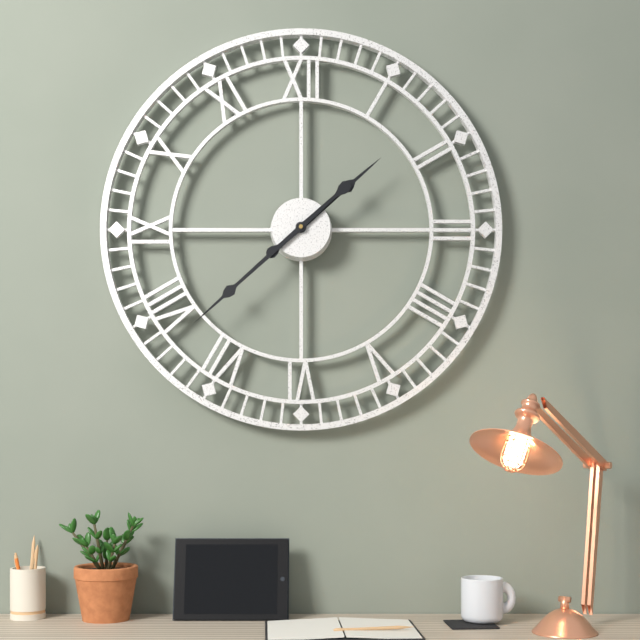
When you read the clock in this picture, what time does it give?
1:38
